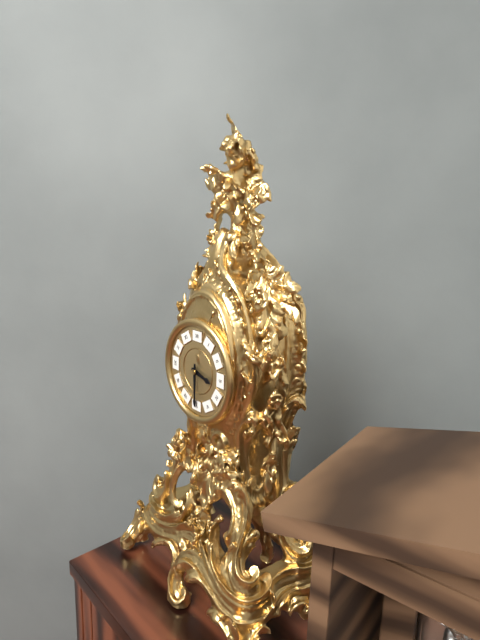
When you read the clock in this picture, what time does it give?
3:30
